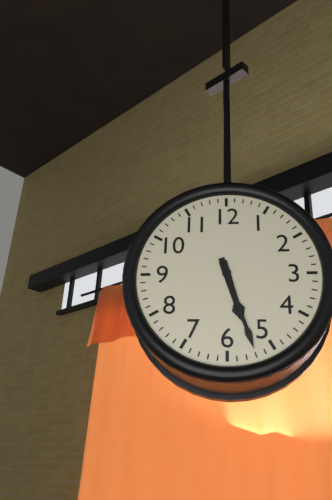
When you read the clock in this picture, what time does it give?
5:27
